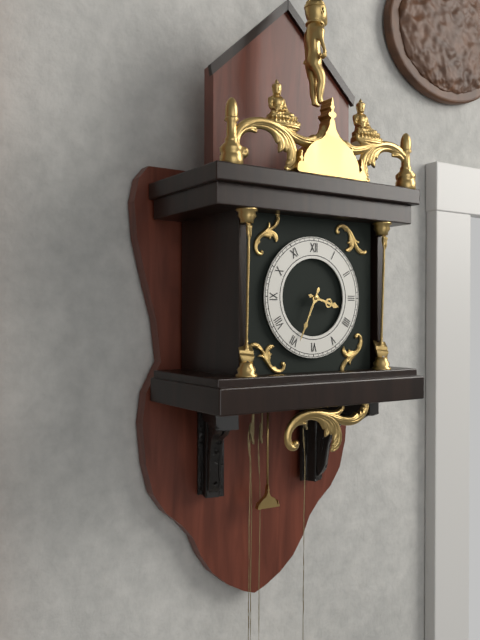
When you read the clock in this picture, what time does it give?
3:34
